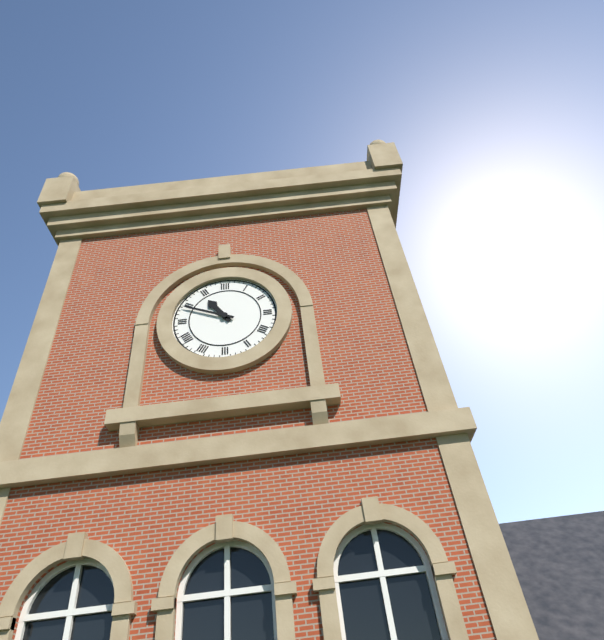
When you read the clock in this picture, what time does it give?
10:49
